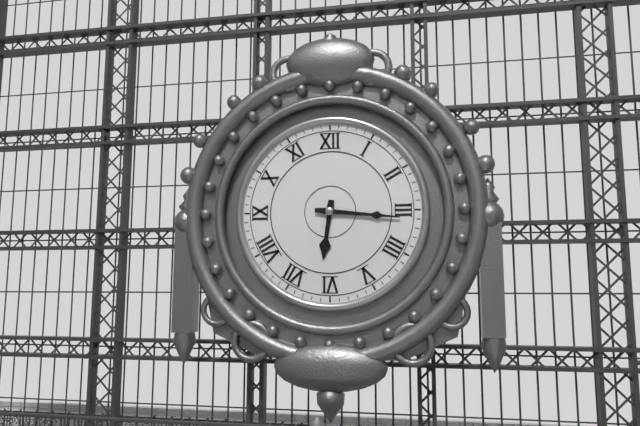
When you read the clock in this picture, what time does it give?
6:16
